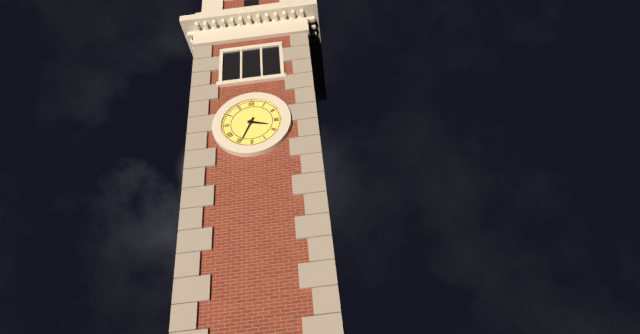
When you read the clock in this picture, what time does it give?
3:34
